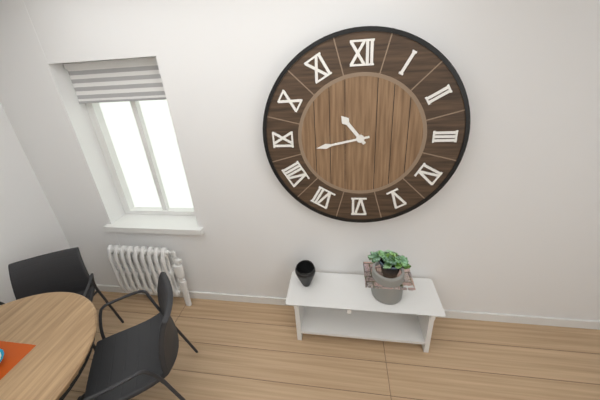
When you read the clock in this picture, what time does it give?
10:43
